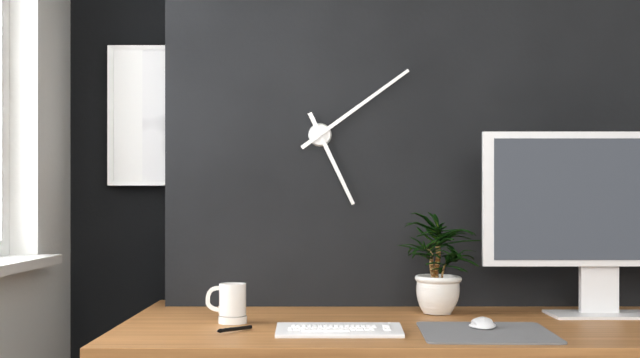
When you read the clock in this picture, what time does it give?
5:09
